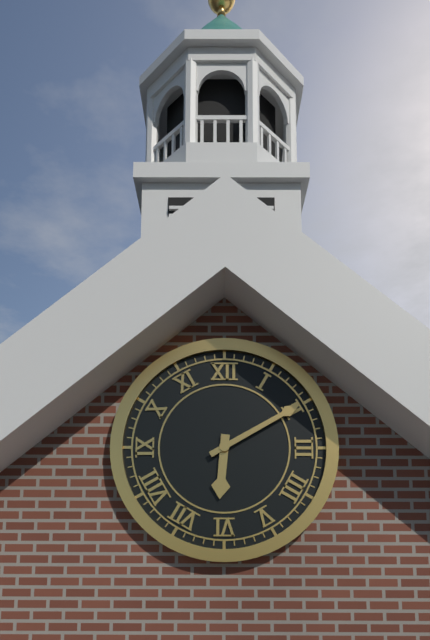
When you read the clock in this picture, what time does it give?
6:10
